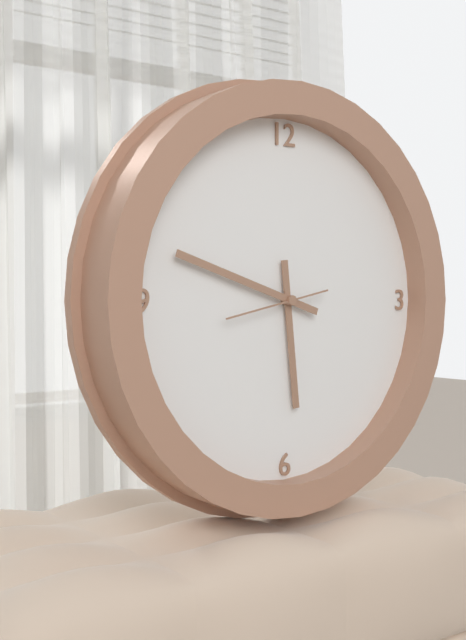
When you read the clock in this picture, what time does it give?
5:48:43
